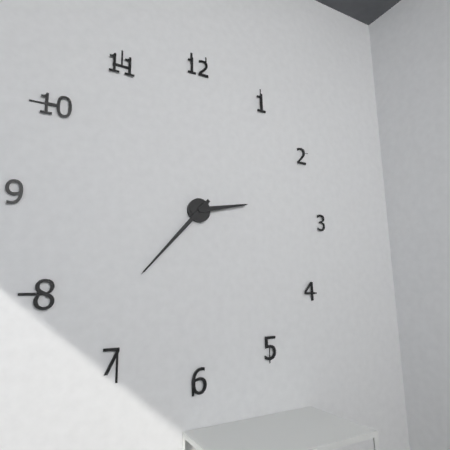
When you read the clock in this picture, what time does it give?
2:37
